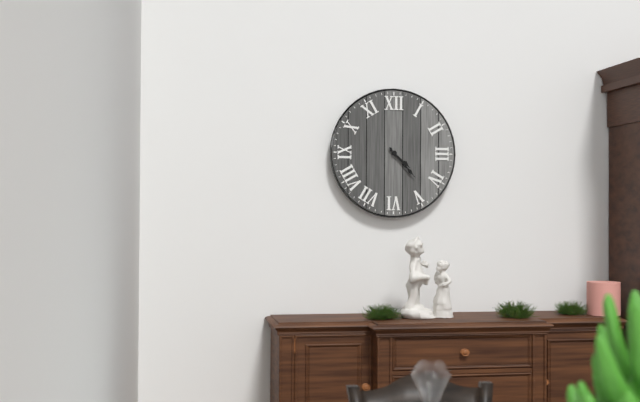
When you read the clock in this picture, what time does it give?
4:23
